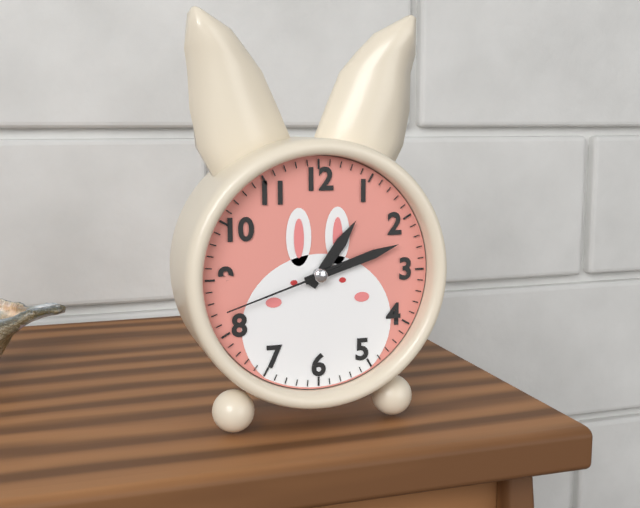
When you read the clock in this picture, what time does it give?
1:12:42
